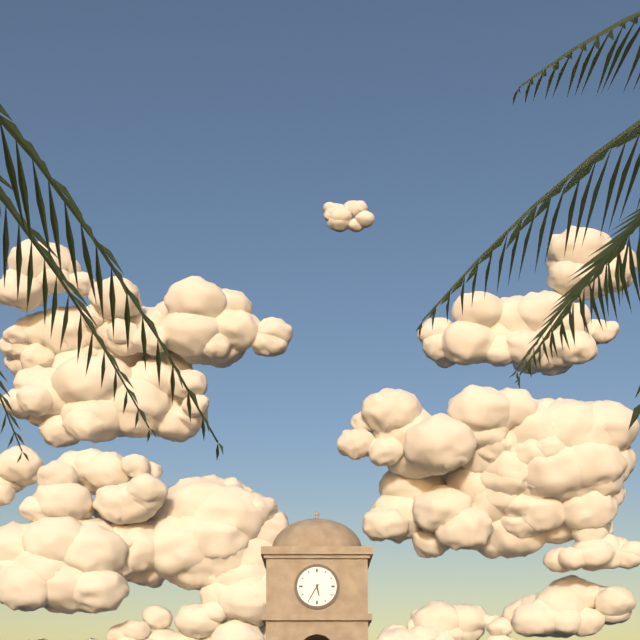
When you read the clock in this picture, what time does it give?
5:35
